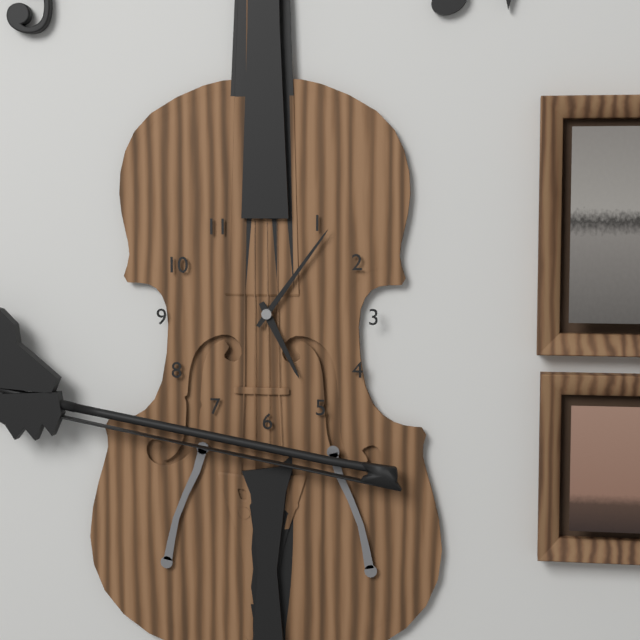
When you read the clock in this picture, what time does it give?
5:06
